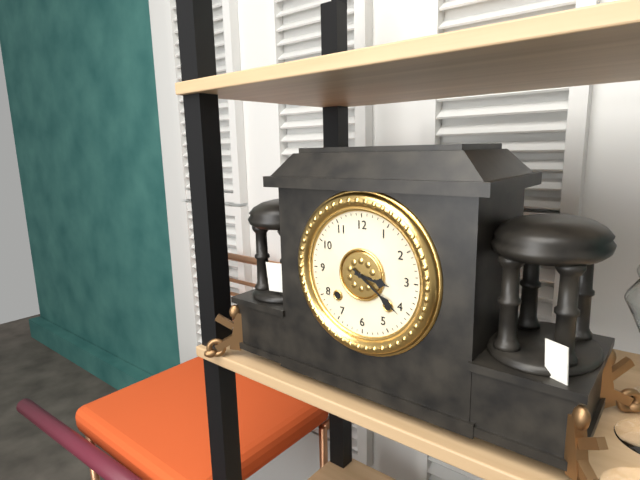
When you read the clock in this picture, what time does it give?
3:21
